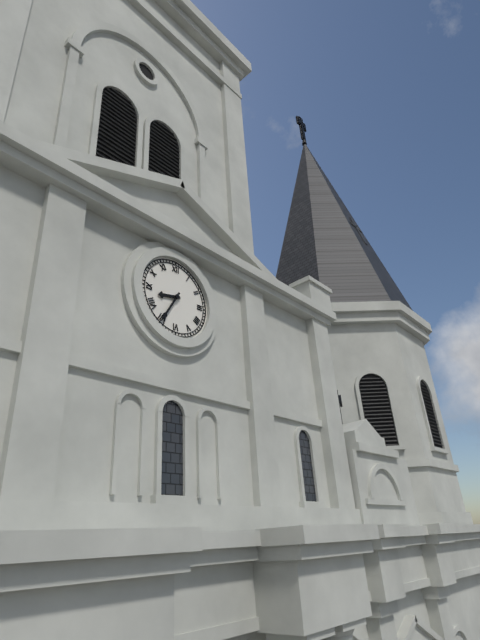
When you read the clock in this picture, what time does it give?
8:35
